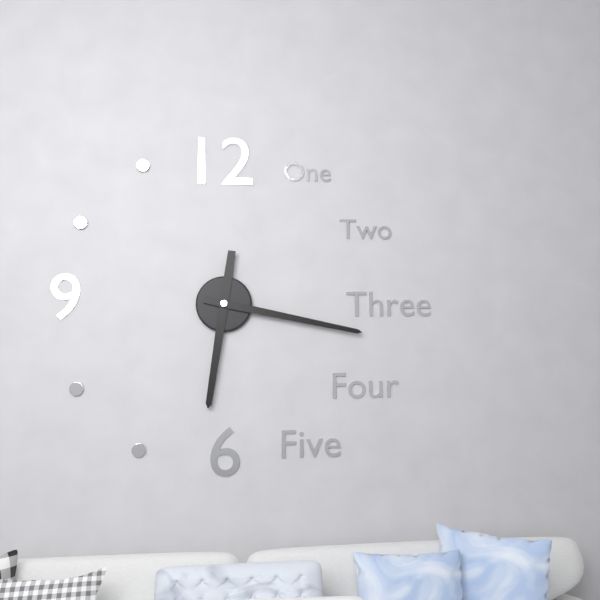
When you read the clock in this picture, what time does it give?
6:17
